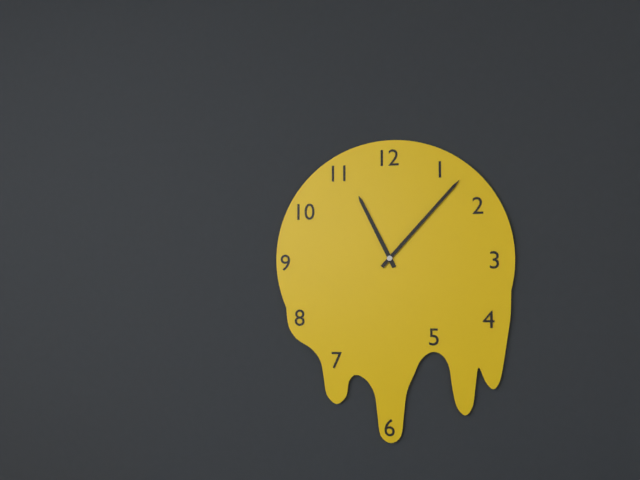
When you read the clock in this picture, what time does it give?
11:07
